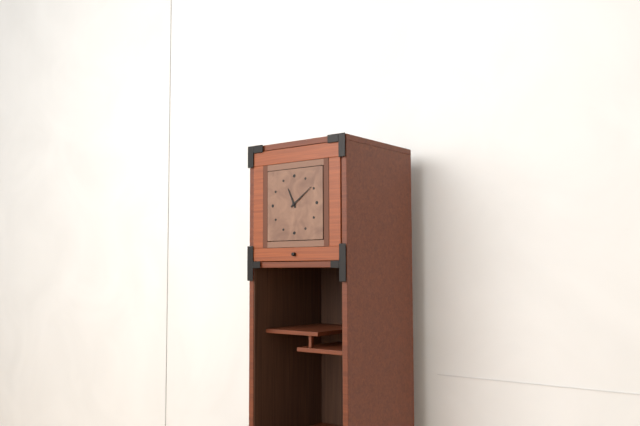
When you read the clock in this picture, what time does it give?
11:09
